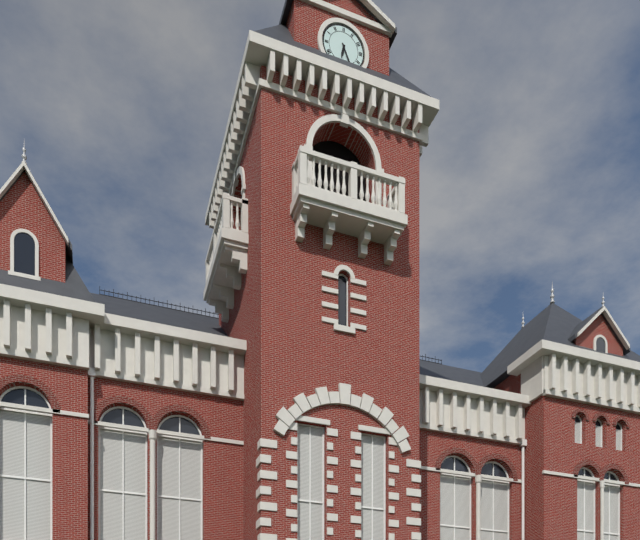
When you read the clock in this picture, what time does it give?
6:26
